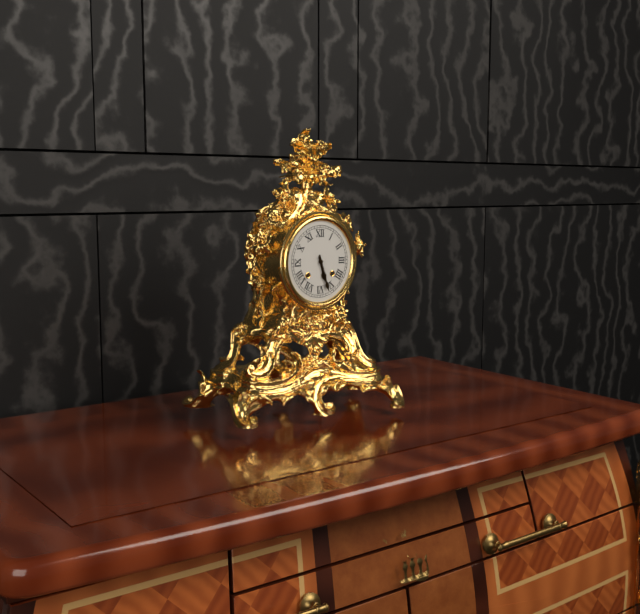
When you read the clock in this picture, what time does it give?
5:27
